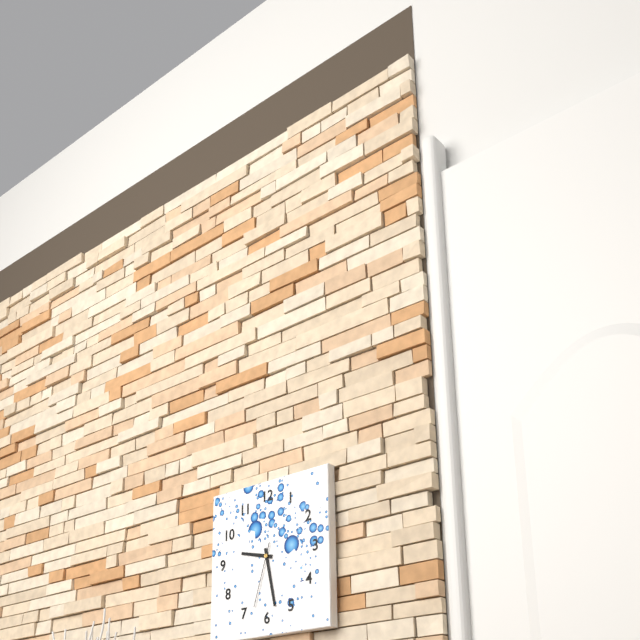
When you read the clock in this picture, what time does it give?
9:28:33
